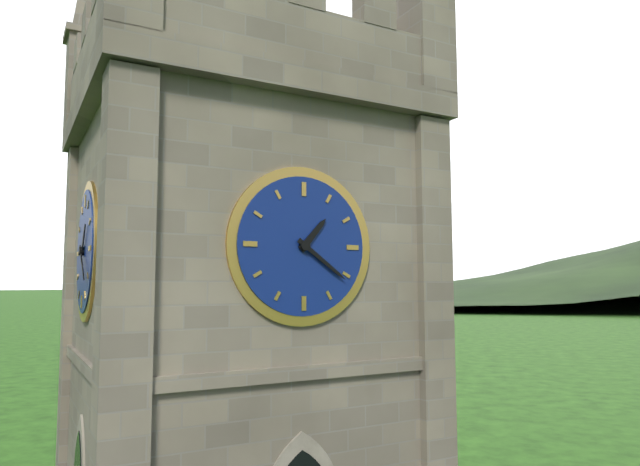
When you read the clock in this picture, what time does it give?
1:21
